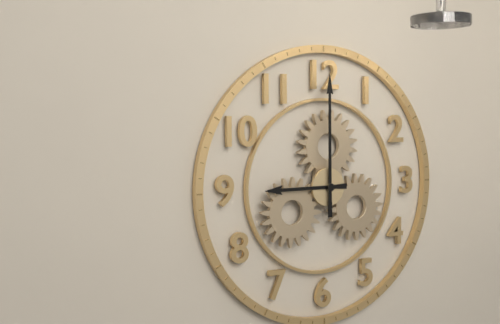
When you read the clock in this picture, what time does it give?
9:00
